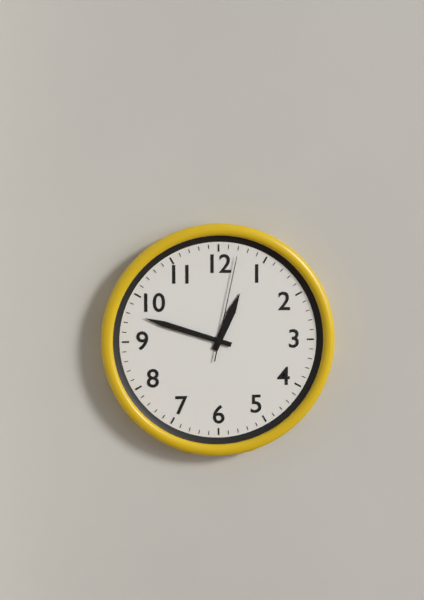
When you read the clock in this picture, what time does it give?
12:48:02
